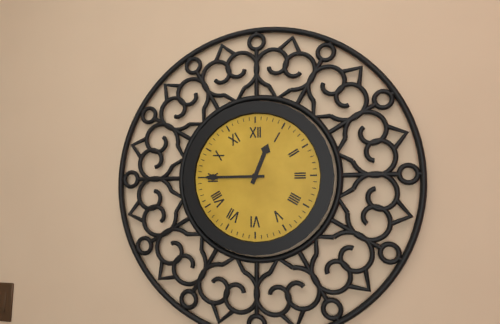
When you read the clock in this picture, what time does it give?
12:45
